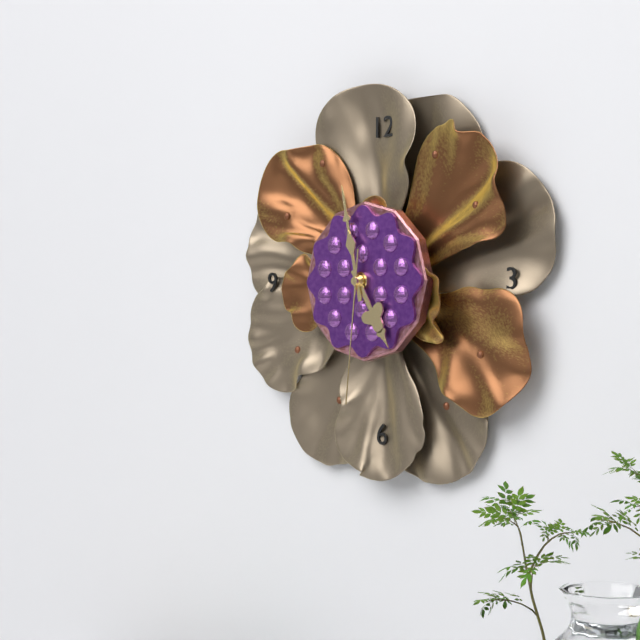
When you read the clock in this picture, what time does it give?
4:58:31
